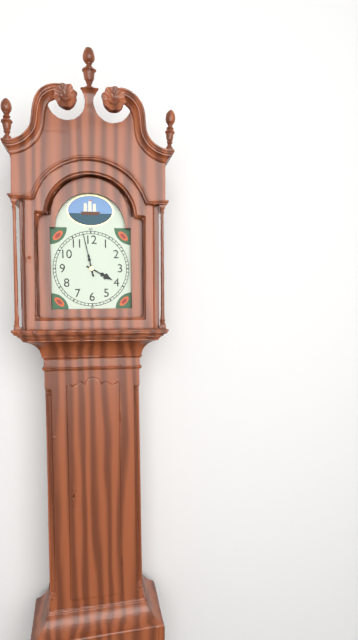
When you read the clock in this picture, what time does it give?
3:58
